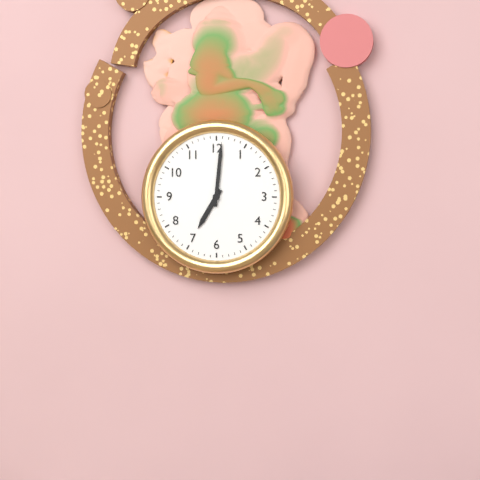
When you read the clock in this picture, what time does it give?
7:01
